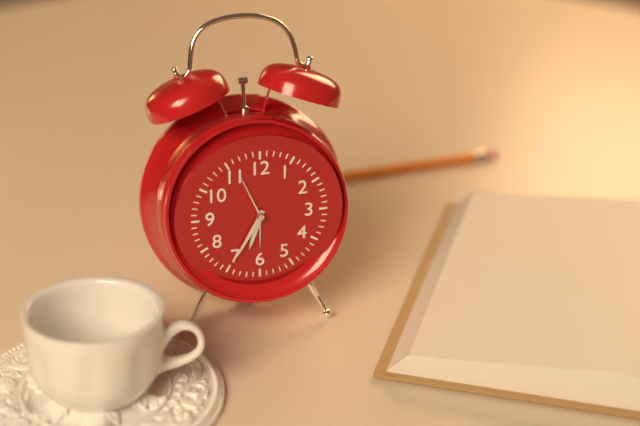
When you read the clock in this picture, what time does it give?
6:35:56
